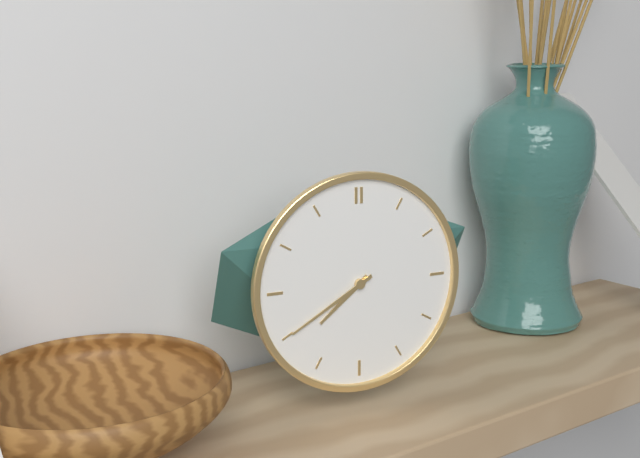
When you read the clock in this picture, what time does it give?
7:40
